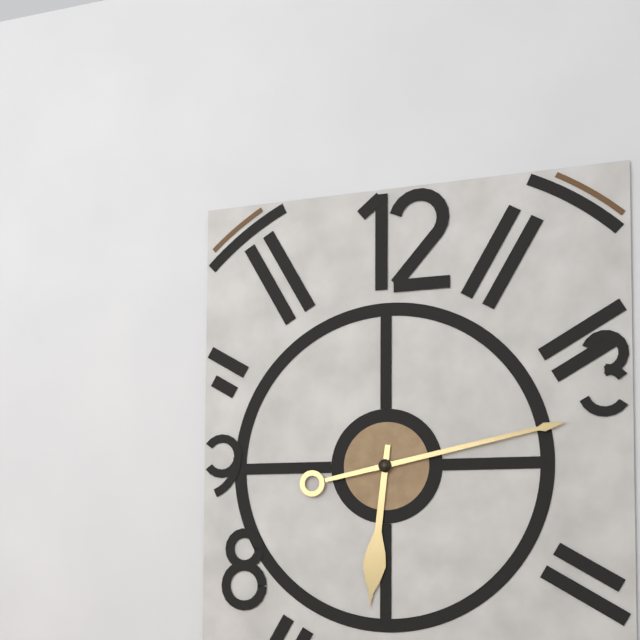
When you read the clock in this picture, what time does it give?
6:13
